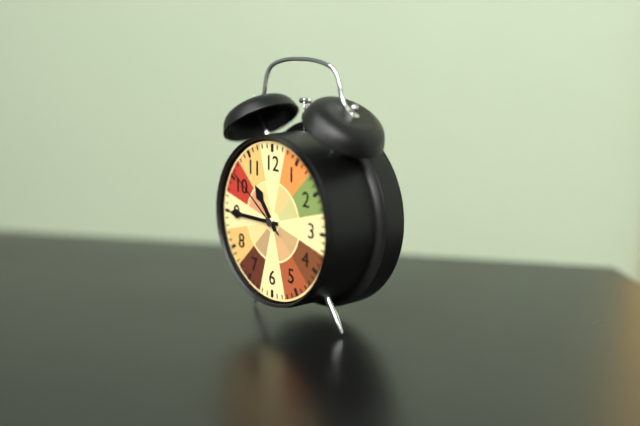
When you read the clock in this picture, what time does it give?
10:45:51
